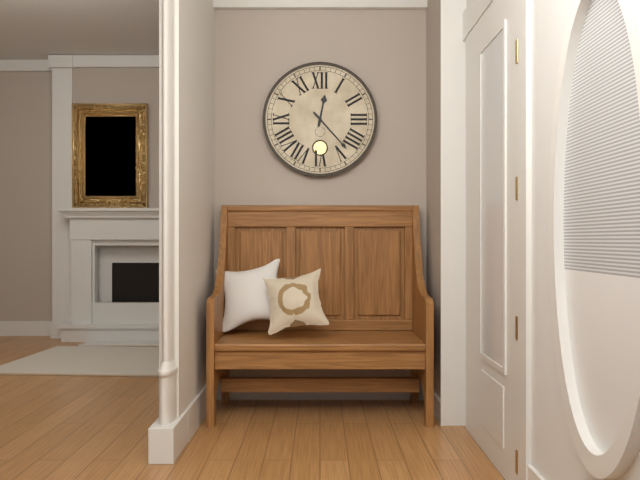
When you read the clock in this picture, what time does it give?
12:23
